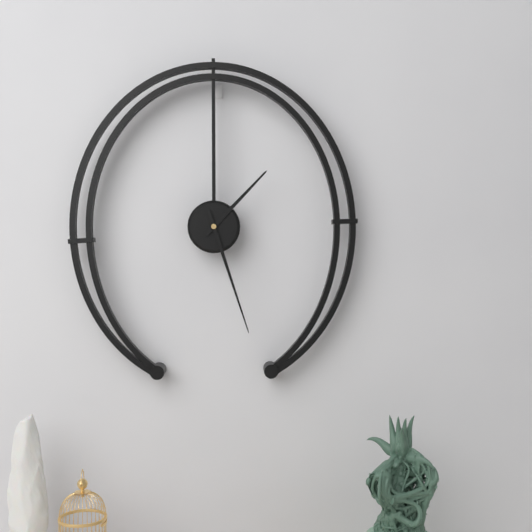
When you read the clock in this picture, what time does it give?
1:27
